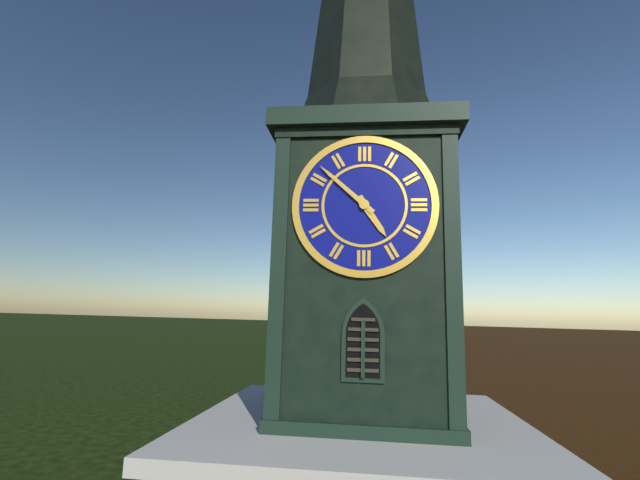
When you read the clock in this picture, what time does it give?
4:52
